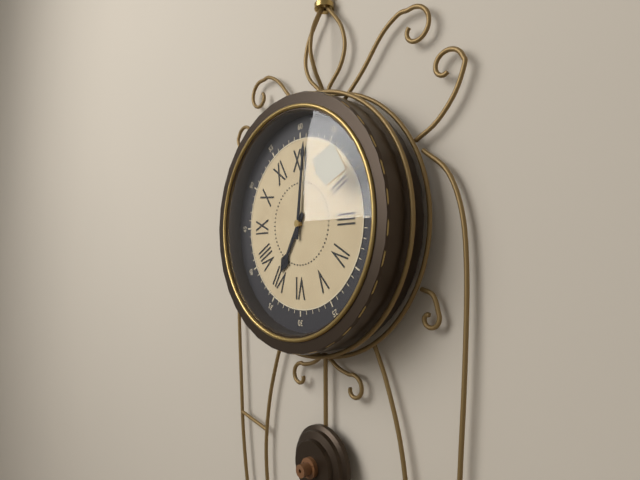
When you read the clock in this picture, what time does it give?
7:01
